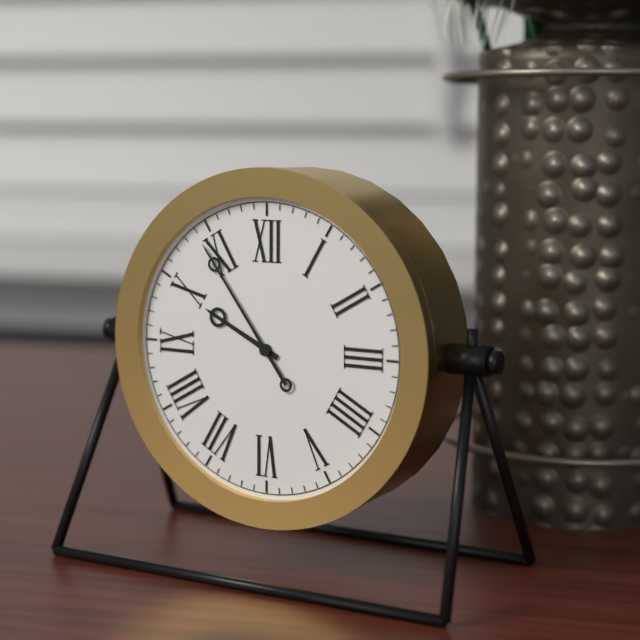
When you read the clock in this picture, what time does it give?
9:54
